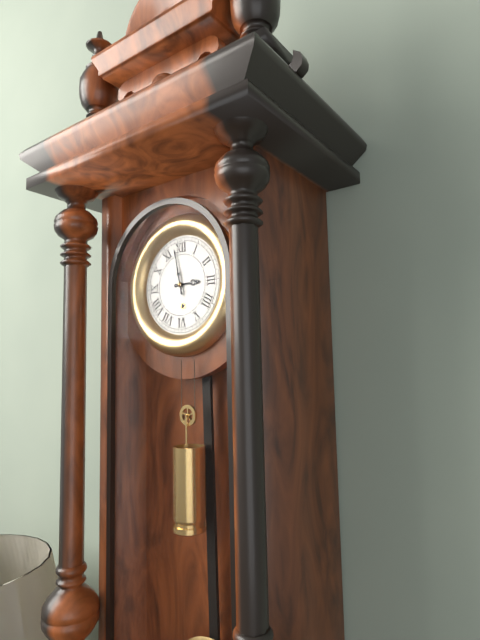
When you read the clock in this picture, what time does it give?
2:58
